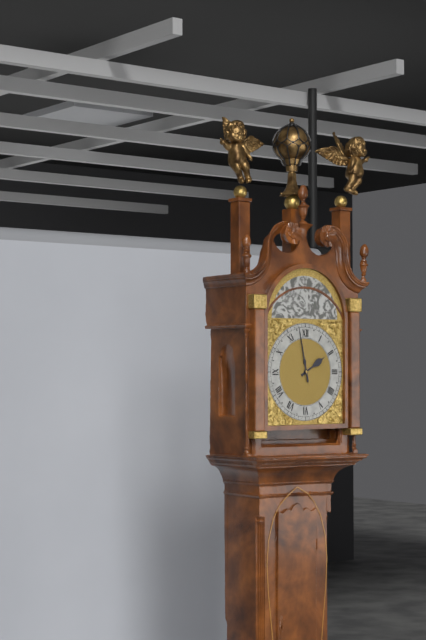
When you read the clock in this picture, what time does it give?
1:58
